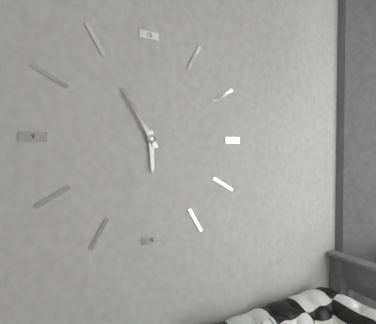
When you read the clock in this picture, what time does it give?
5:55
